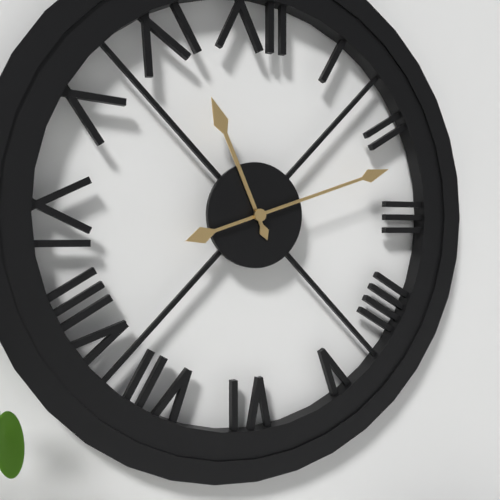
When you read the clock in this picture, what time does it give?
11:12
